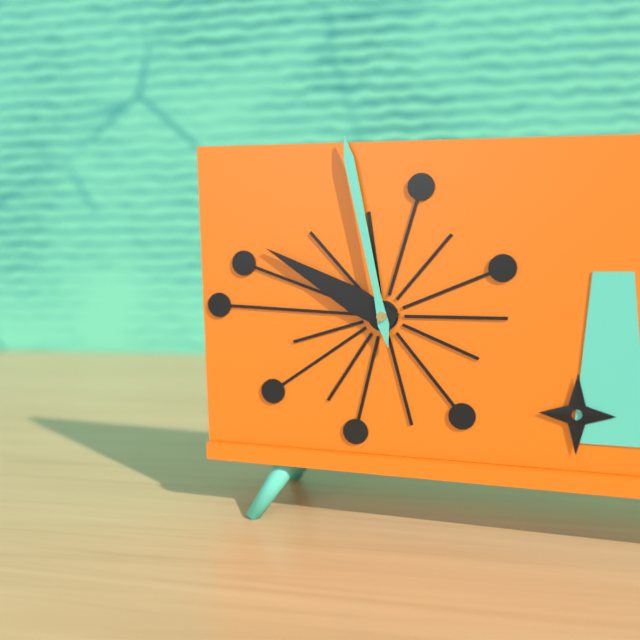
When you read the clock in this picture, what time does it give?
9:58
